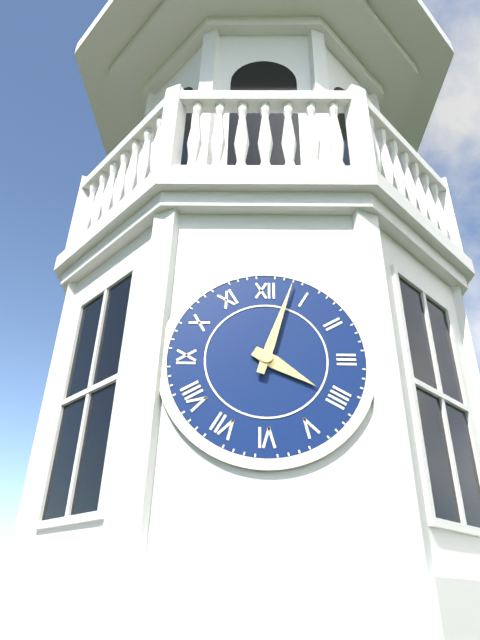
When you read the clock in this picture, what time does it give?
4:03
